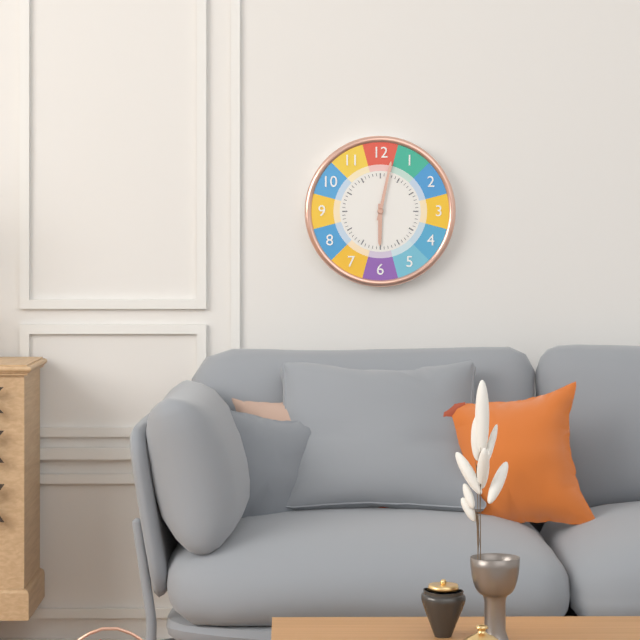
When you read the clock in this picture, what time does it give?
6:02
